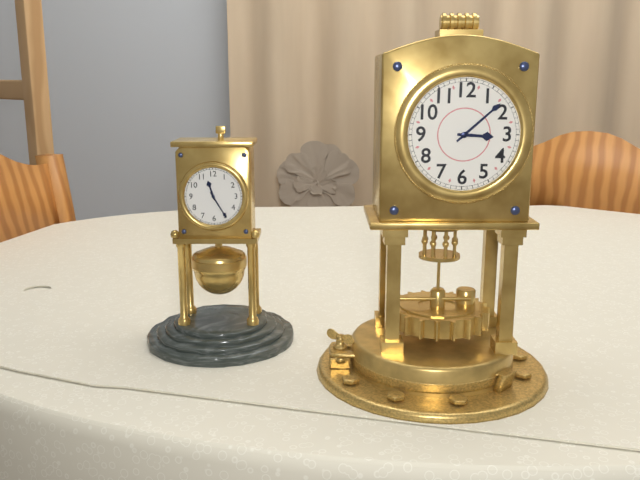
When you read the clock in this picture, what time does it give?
3:08
